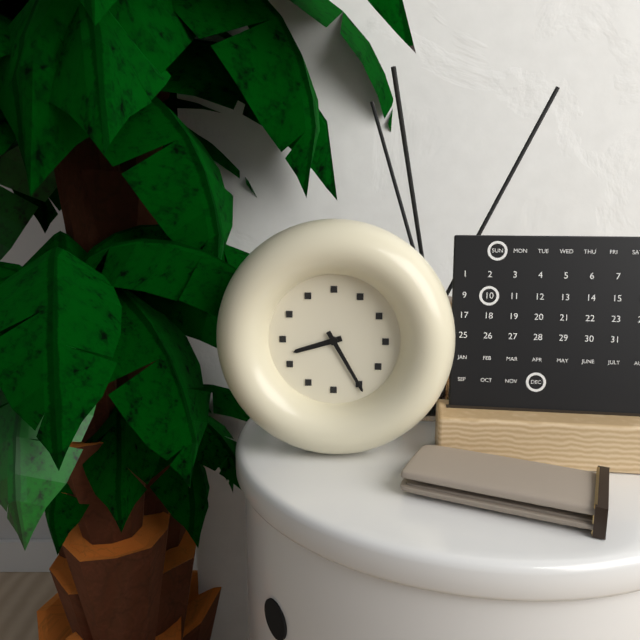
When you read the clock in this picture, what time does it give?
8:25
